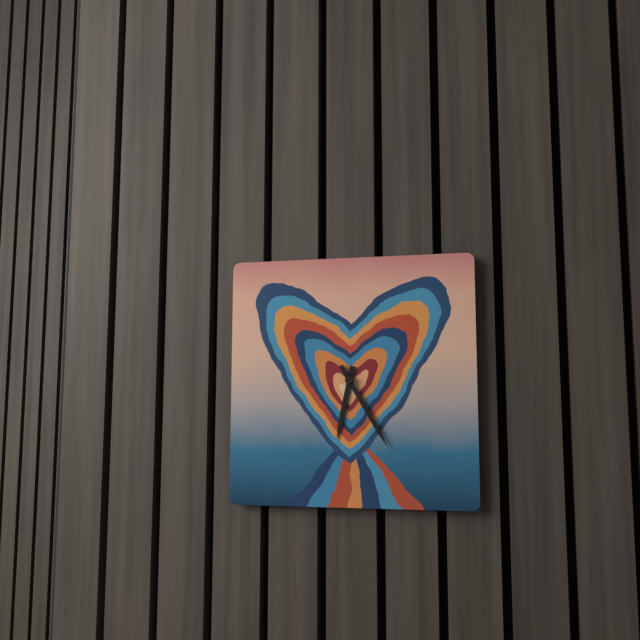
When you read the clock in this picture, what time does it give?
6:25
